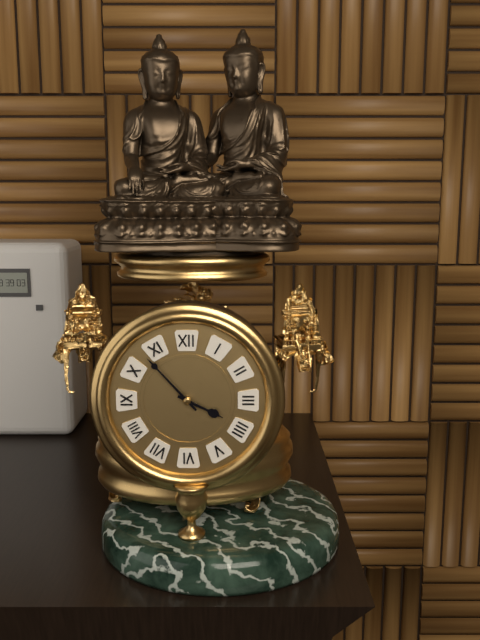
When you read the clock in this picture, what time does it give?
3:53
